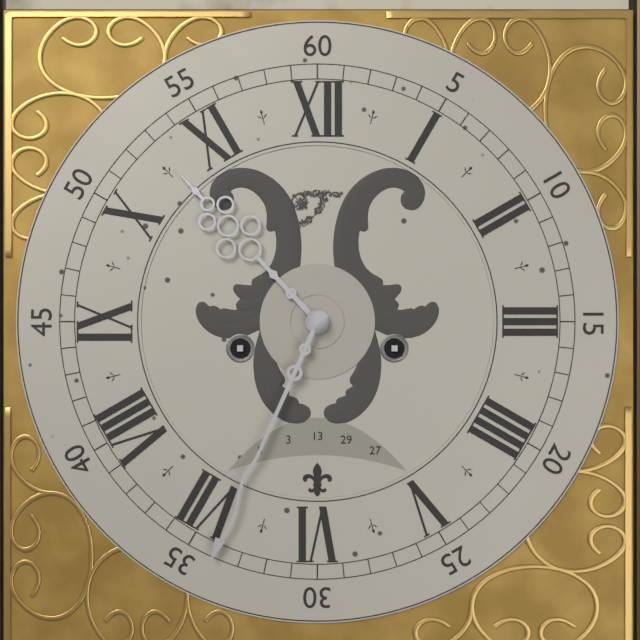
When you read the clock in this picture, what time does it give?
10:34
